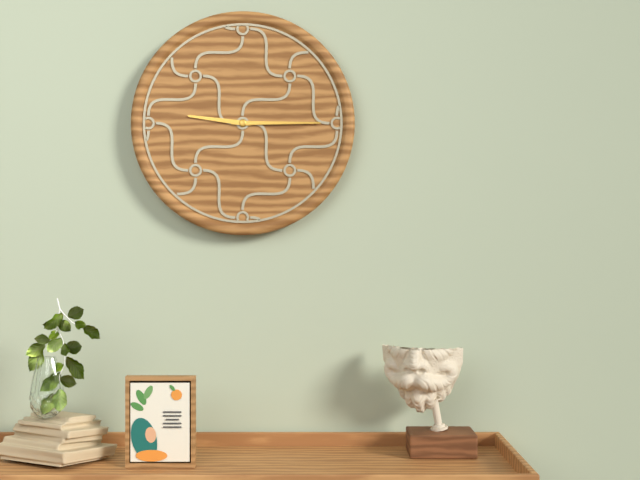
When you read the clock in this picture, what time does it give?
9:15
